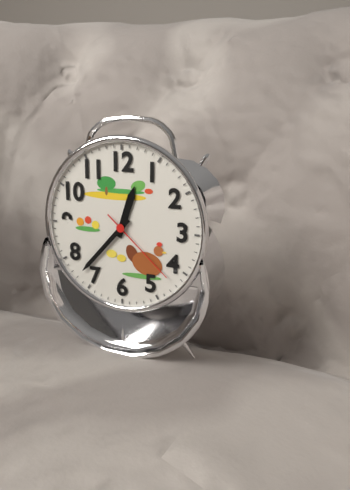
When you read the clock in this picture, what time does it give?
12:37:22
